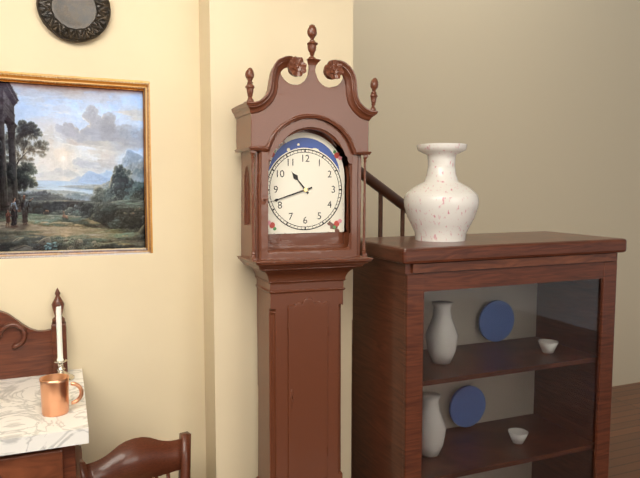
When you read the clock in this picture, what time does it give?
10:42
